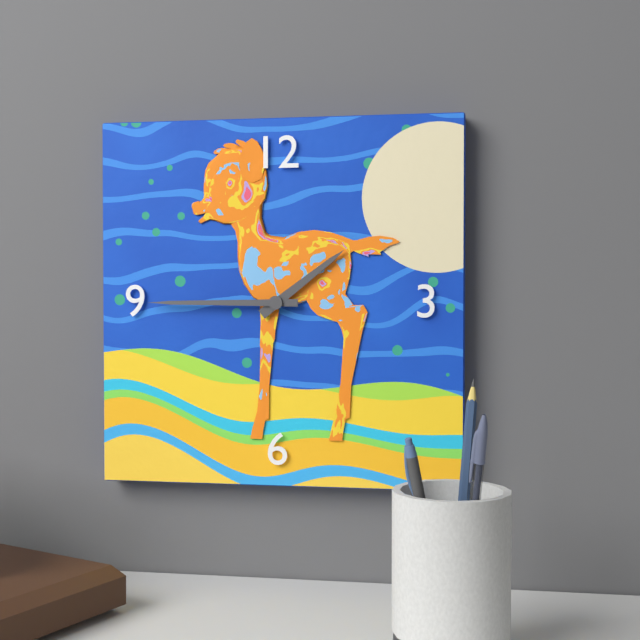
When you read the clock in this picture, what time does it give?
1:45
